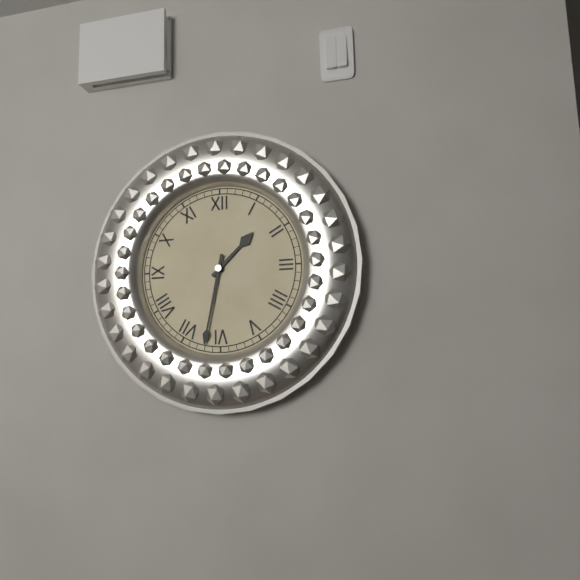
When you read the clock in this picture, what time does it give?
1:32
